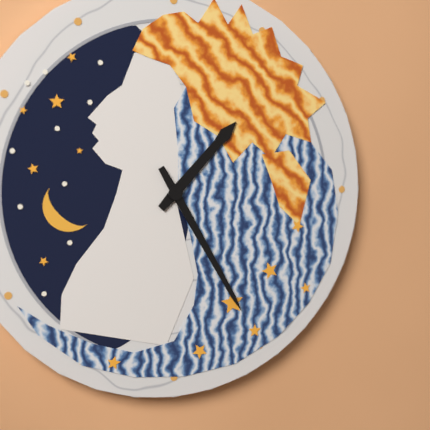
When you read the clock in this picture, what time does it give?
1:25
